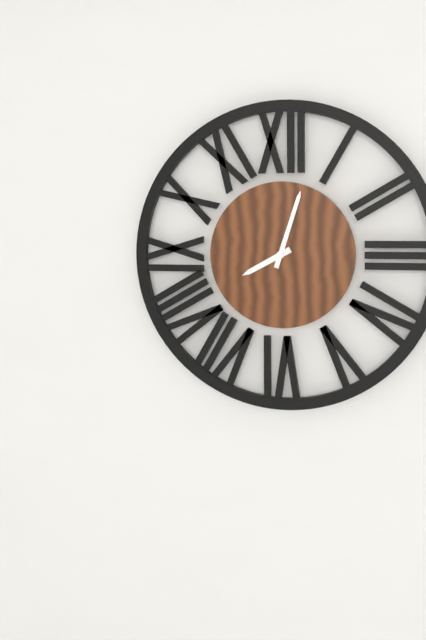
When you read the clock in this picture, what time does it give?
8:03
